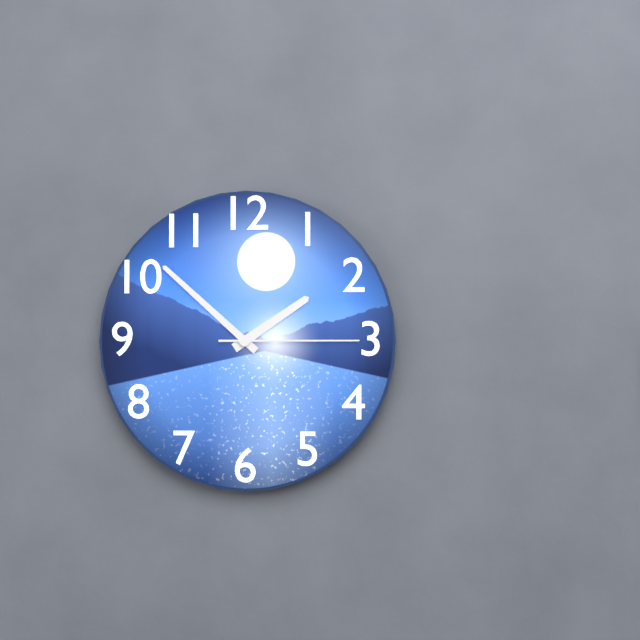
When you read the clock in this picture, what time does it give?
1:52:15
